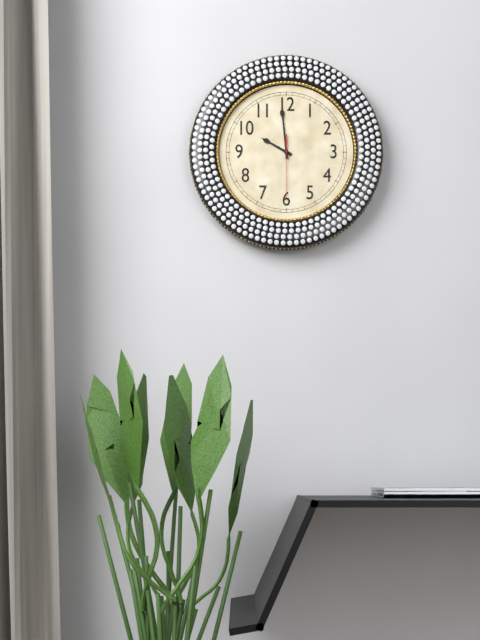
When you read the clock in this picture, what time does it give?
9:59:30
